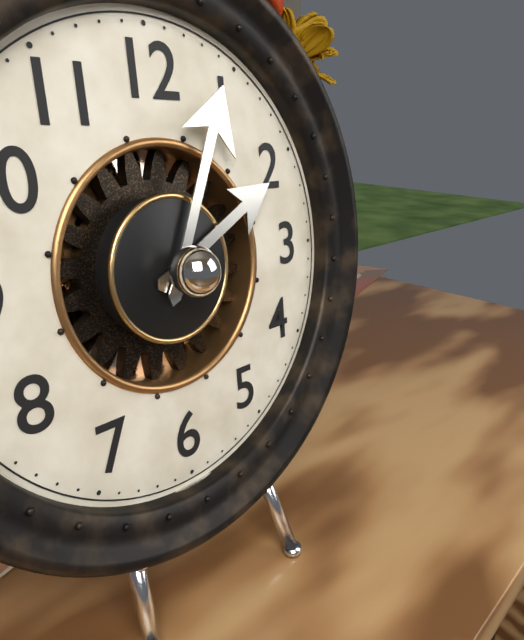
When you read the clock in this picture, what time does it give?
2:04
